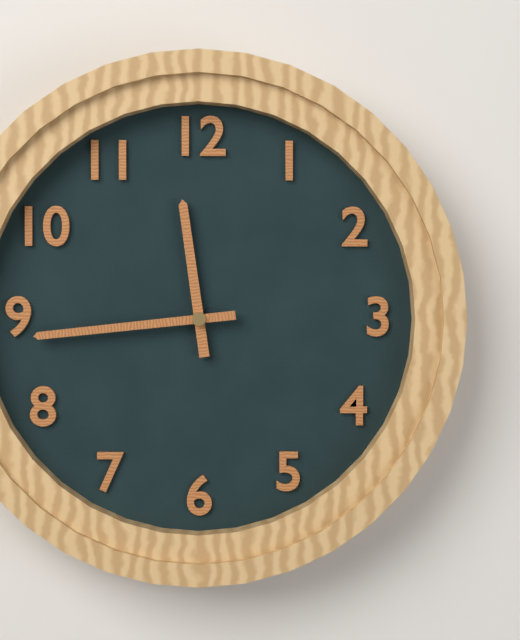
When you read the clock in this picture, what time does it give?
11:44
